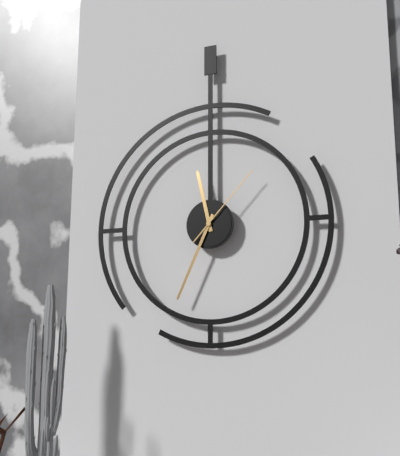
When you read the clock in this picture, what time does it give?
11:34:07
